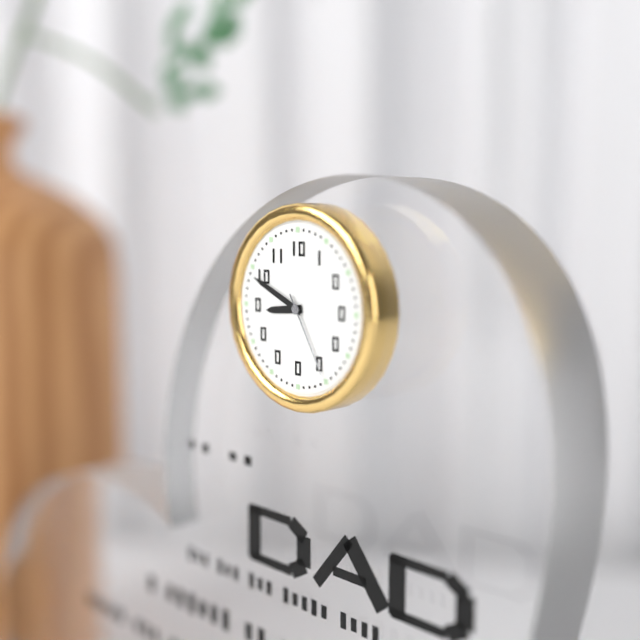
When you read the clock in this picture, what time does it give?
8:49:25
